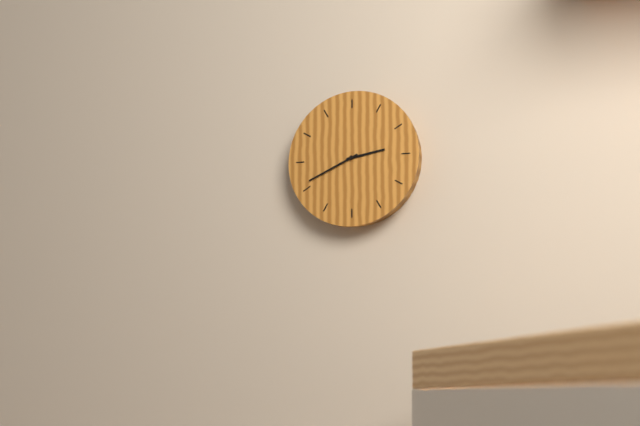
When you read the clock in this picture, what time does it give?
2:41
